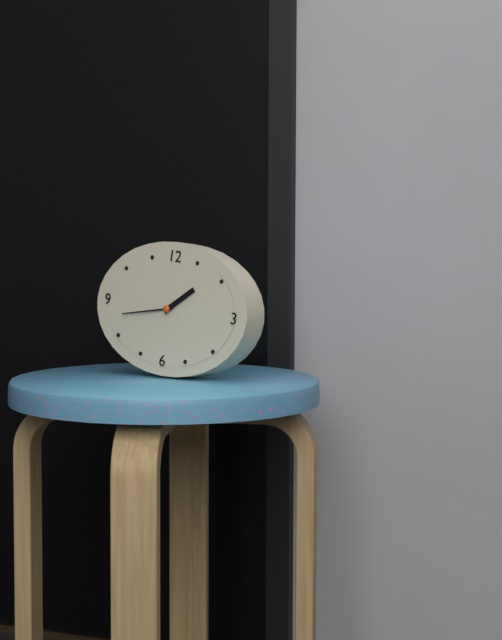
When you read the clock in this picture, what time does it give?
1:43
